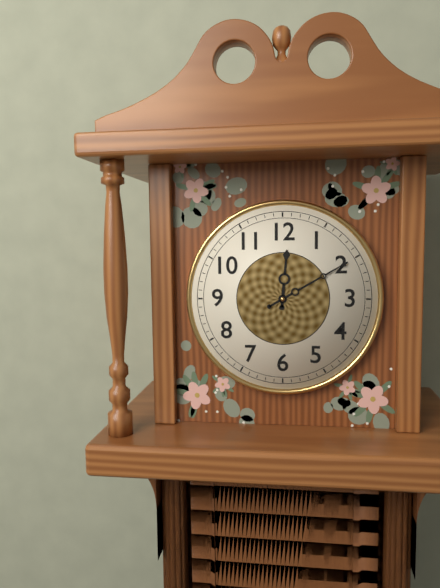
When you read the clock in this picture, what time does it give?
12:10
